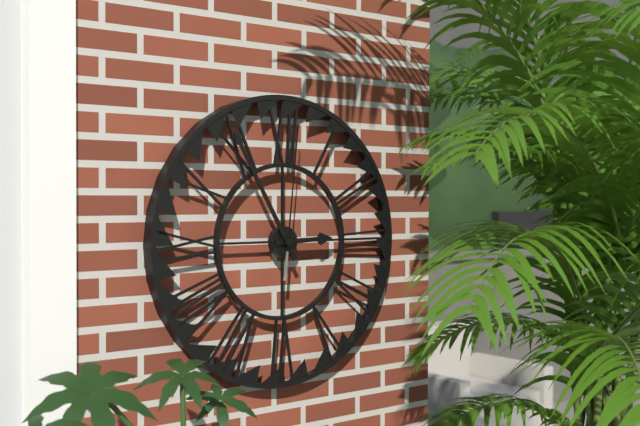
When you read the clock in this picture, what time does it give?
2:55:01
